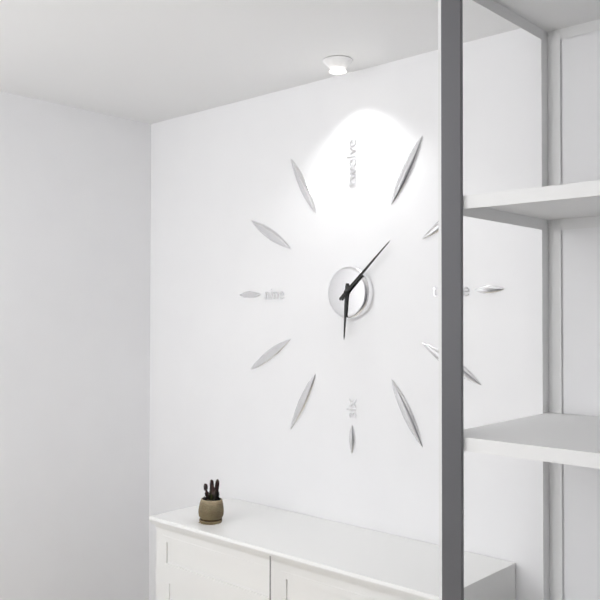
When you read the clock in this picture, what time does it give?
6:08
